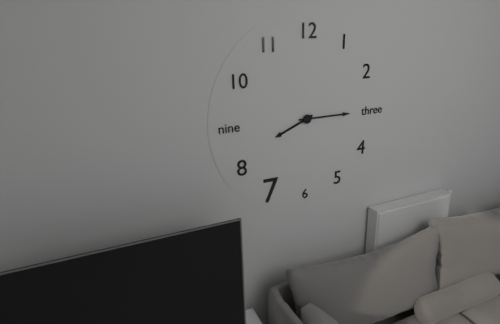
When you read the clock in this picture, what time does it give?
8:15
